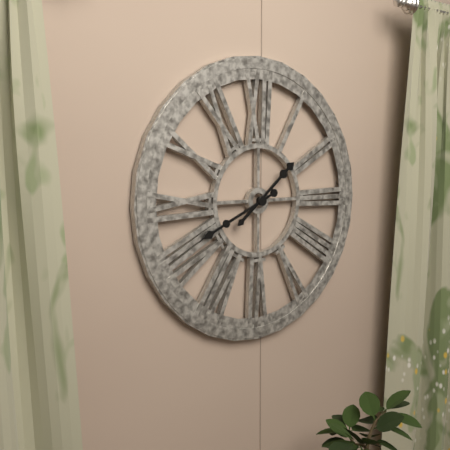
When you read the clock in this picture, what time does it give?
1:41
